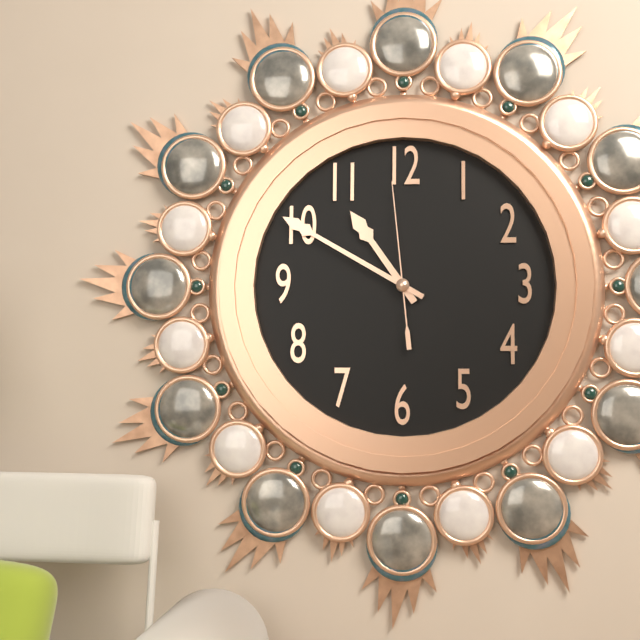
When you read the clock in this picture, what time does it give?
10:50:59
